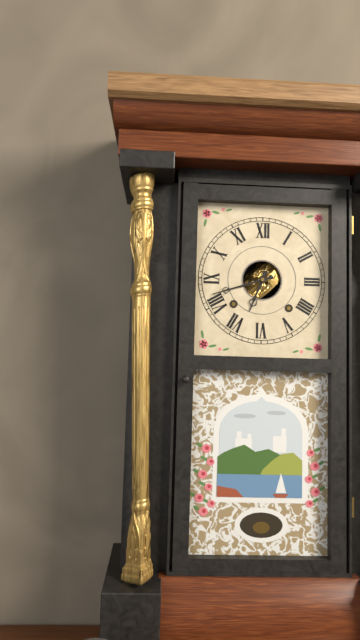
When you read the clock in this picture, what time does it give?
6:42
